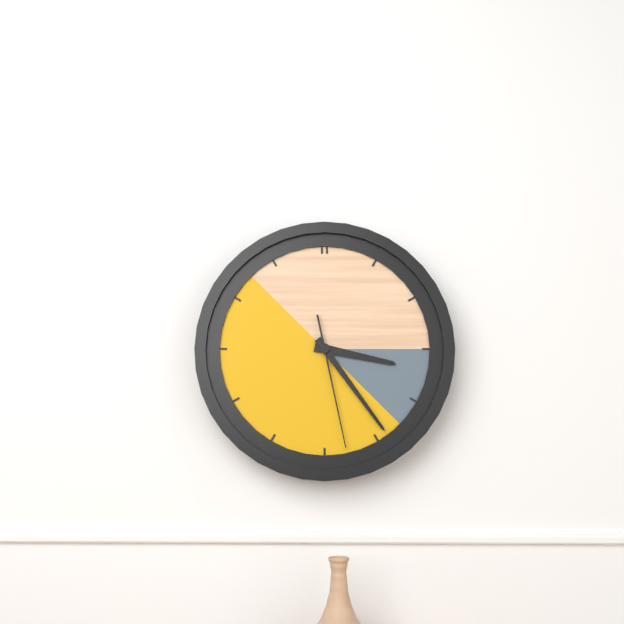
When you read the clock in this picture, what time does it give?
3:24:28
